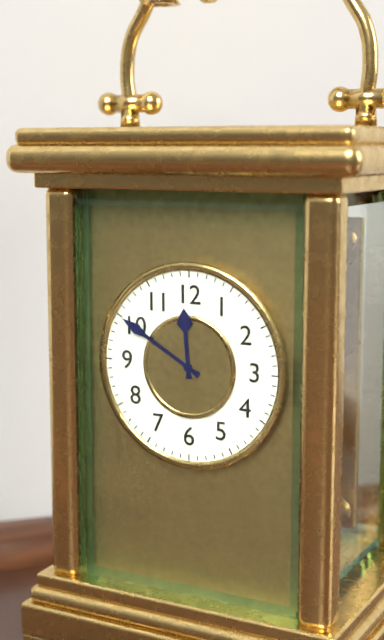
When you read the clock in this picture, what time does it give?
11:50
